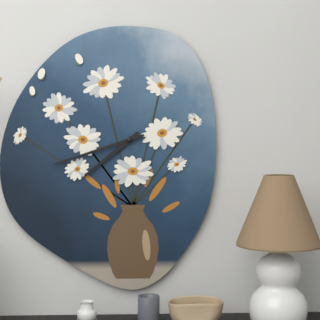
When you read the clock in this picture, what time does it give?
7:42
